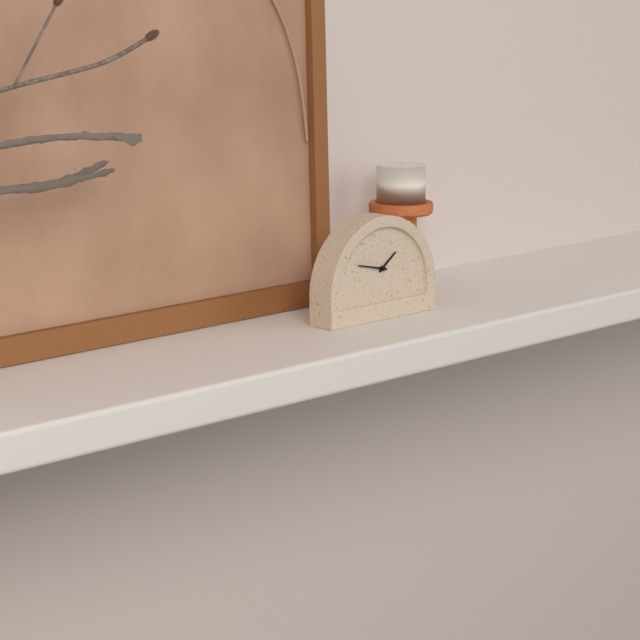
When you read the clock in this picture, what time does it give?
1:47
